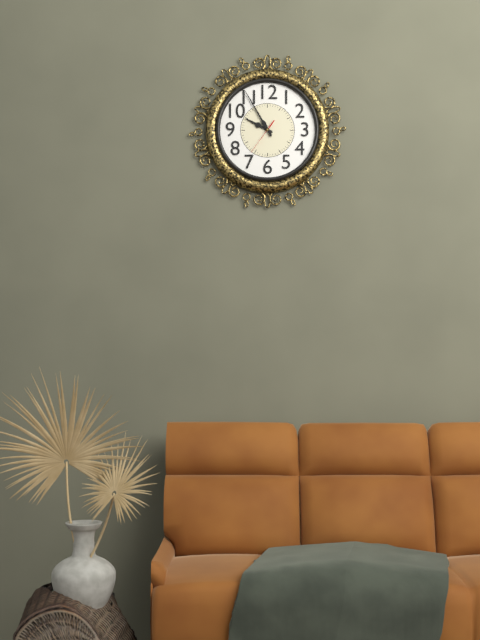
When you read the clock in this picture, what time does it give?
9:55
